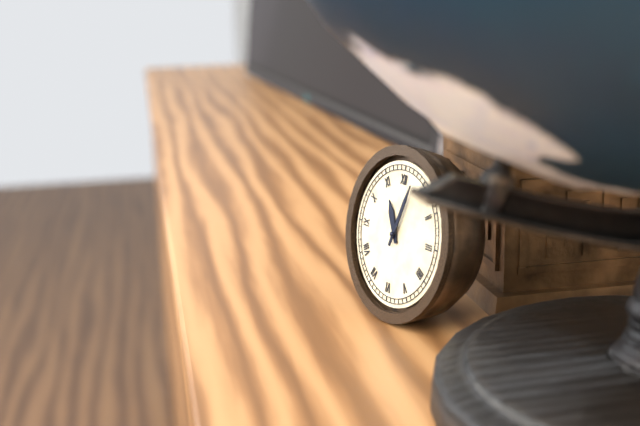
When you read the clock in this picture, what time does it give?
11:03
